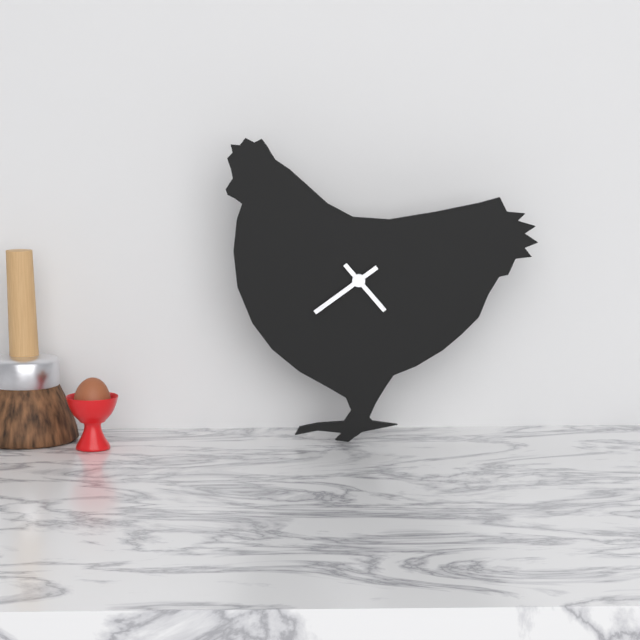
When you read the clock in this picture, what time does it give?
4:39
